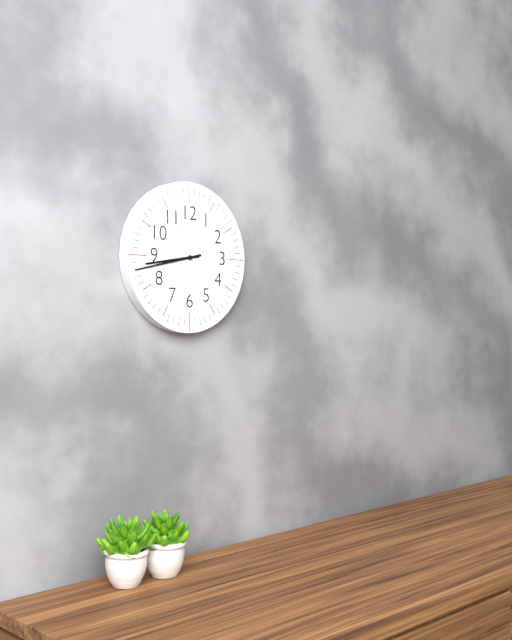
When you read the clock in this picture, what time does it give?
8:43
